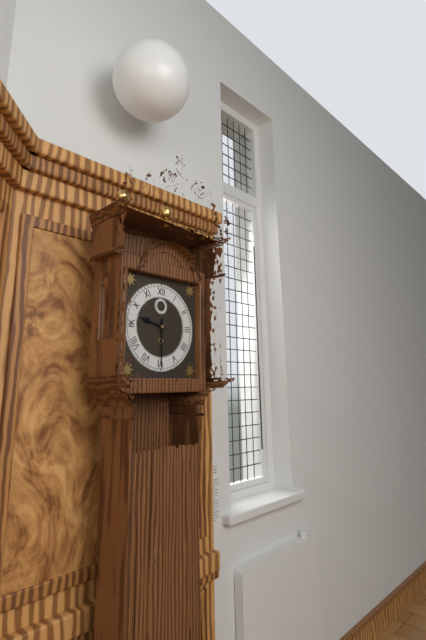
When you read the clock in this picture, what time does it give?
9:30
